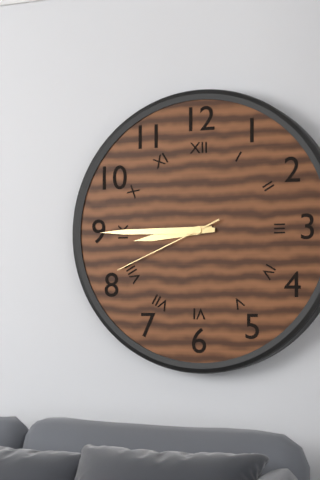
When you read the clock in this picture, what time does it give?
8:45:41
